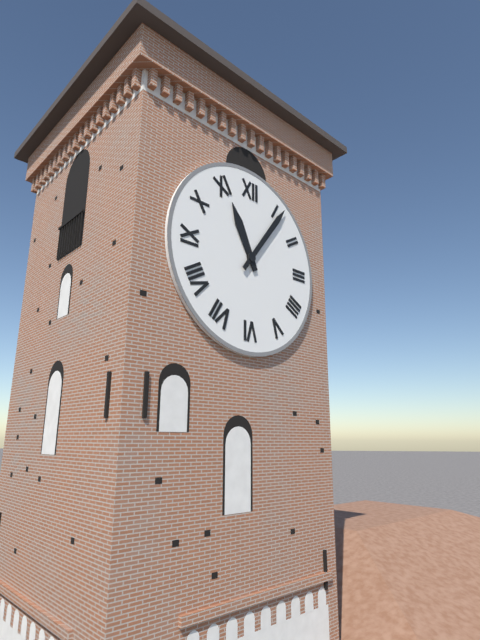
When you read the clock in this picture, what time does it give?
11:06
